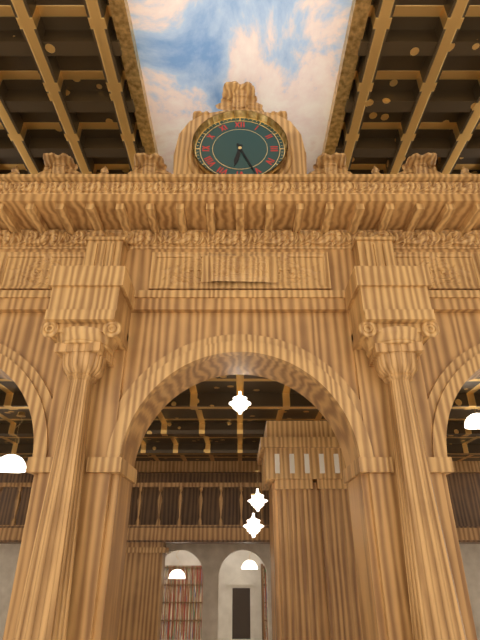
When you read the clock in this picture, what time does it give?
6:26
